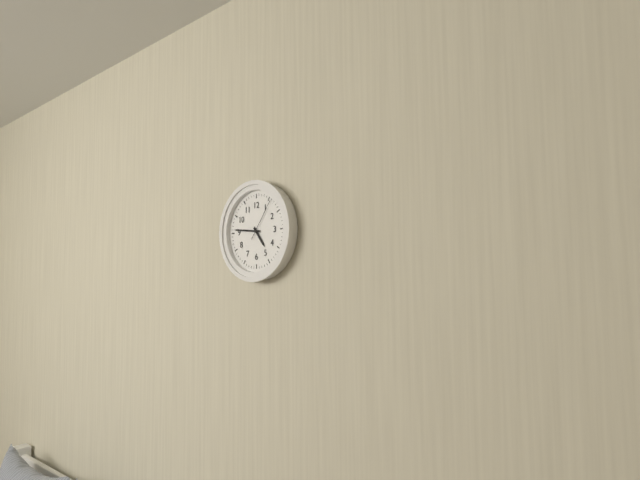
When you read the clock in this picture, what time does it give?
4:46
